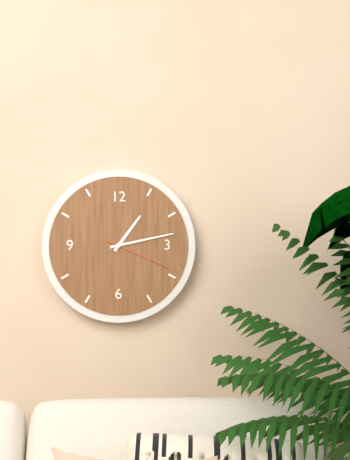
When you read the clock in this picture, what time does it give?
1:13:19
